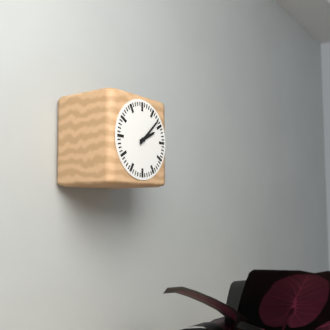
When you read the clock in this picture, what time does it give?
2:08
